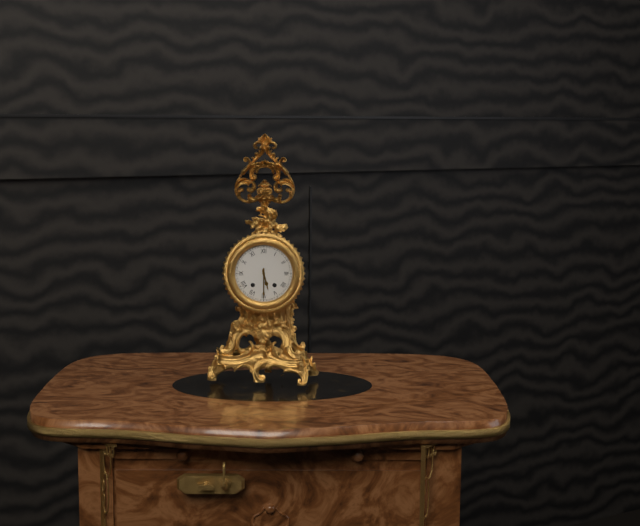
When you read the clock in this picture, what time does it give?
5:30
